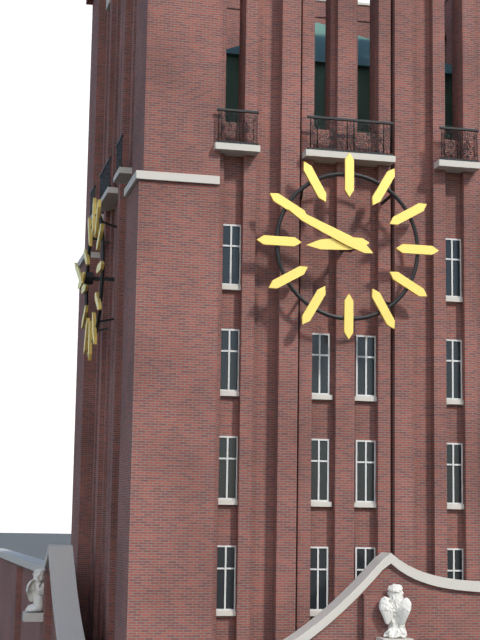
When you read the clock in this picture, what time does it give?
8:49
